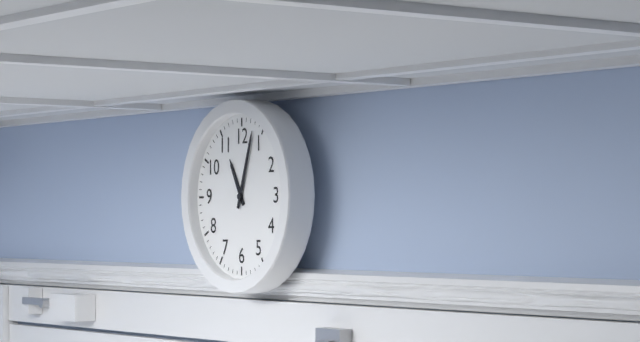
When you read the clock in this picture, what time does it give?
11:03
